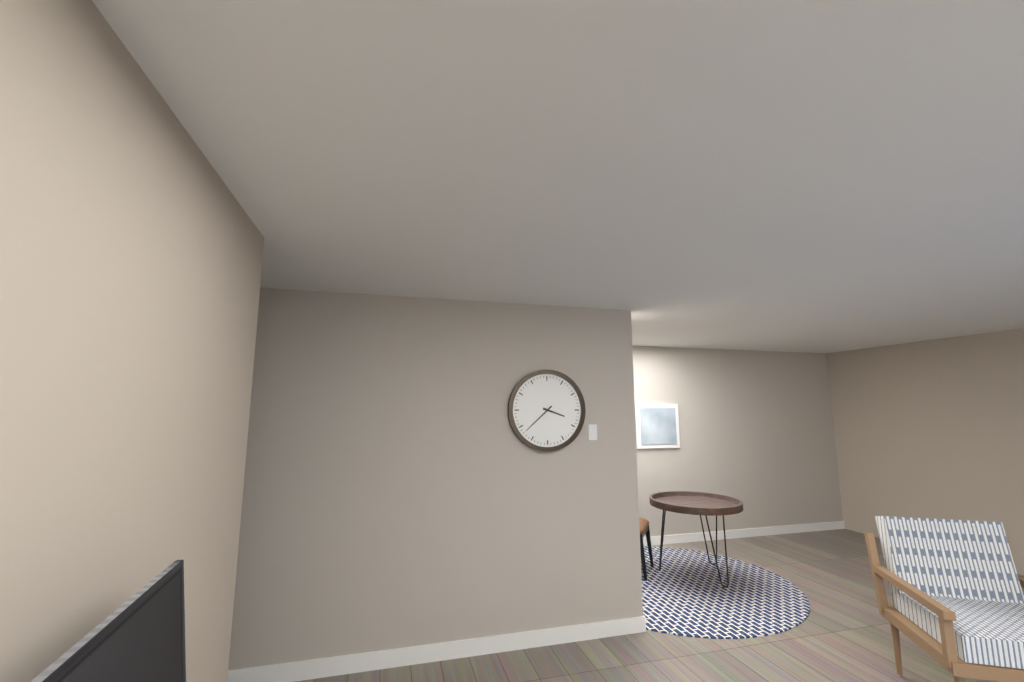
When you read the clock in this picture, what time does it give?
3:38
